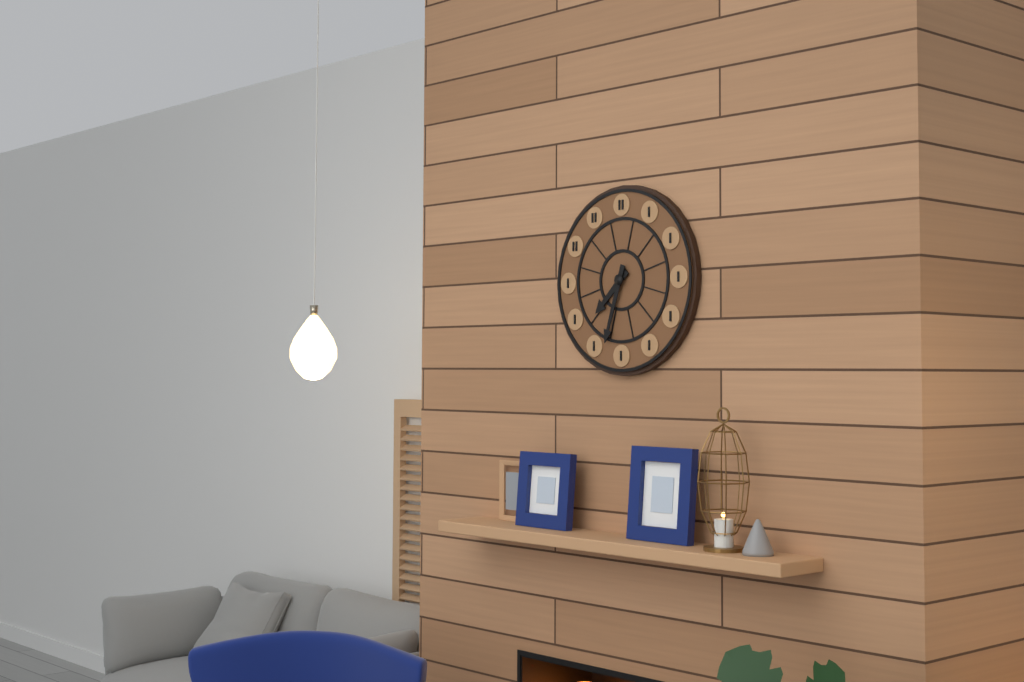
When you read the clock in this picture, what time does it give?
7:33
